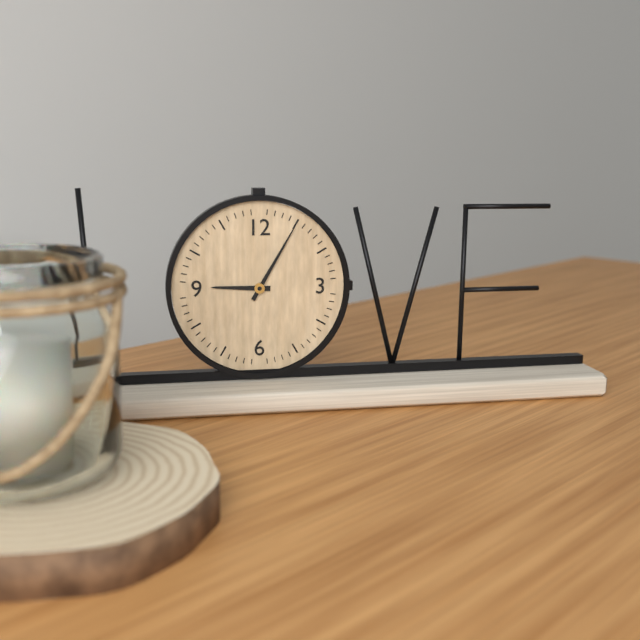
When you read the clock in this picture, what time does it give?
9:05
